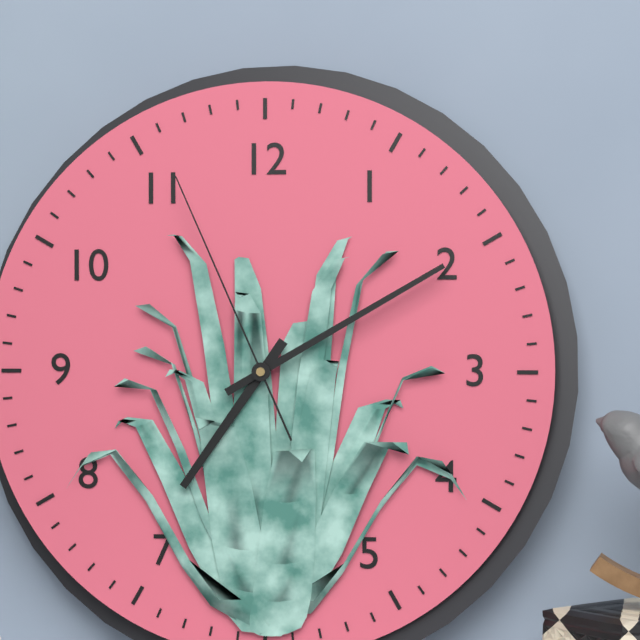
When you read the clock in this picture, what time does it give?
7:10:56
